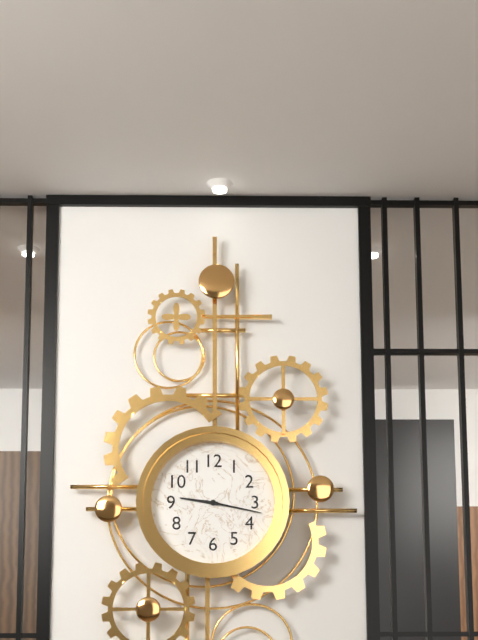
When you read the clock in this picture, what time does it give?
9:17
